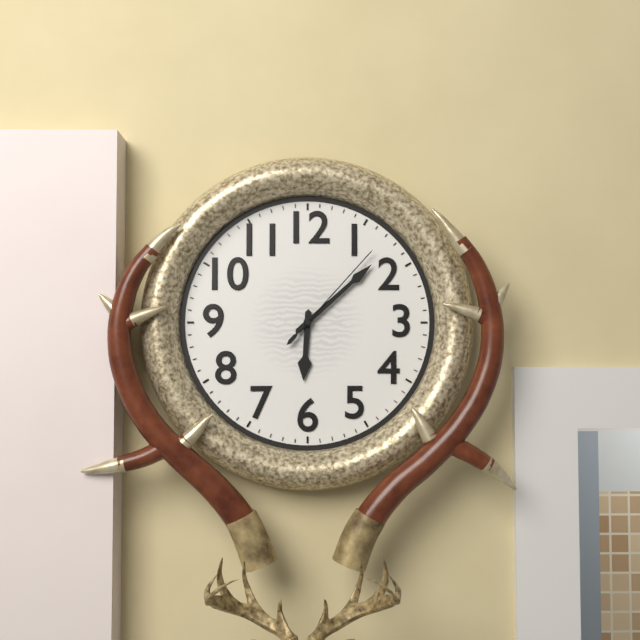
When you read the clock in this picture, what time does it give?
6:08:07
